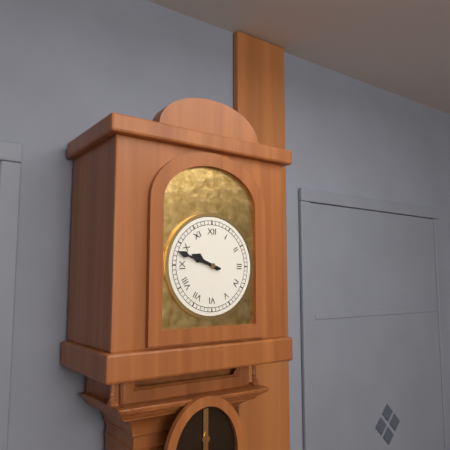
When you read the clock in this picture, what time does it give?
9:48
